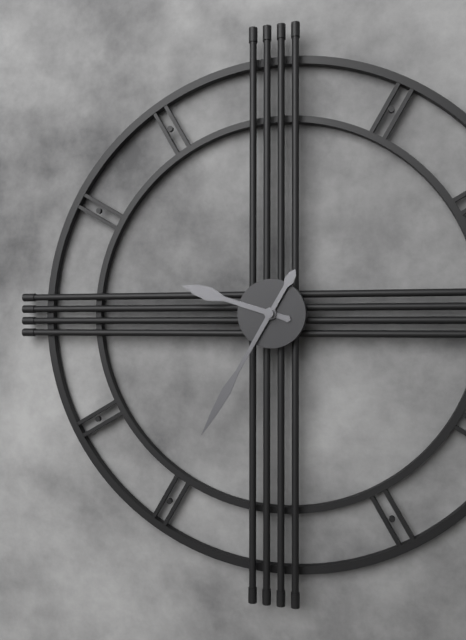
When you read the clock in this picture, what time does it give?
9:35
